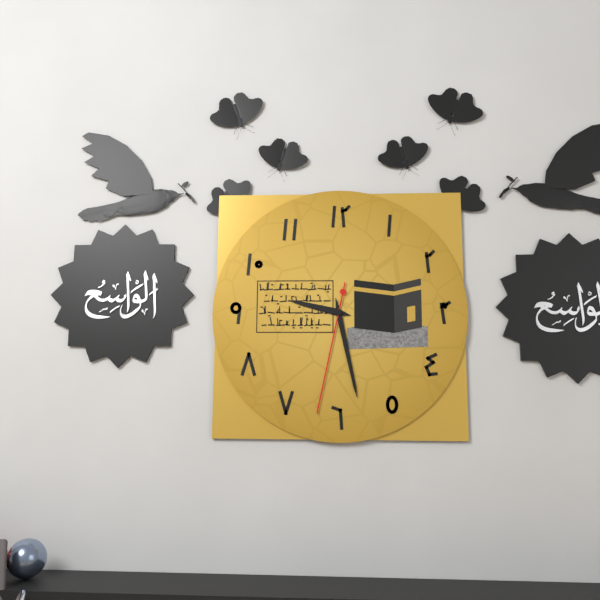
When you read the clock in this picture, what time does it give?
9:28:32
